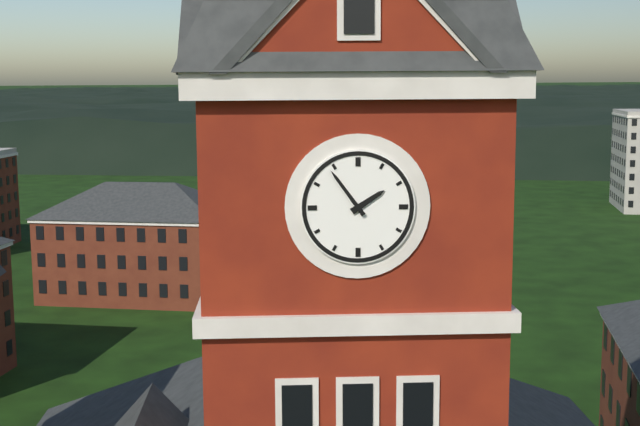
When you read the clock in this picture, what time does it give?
1:54
